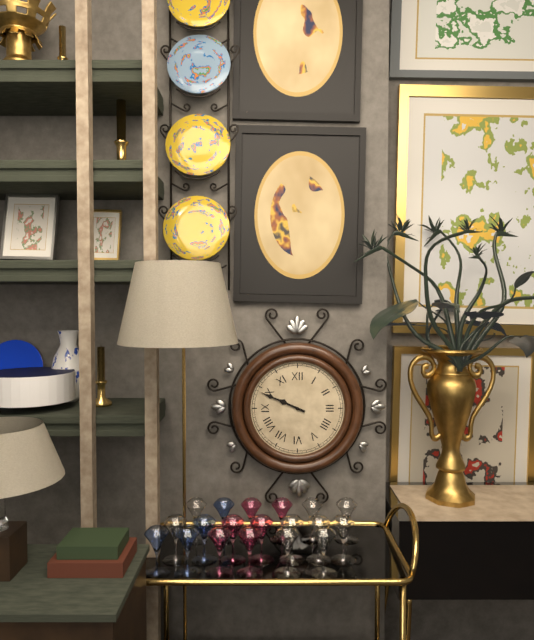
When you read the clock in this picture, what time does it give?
9:49
